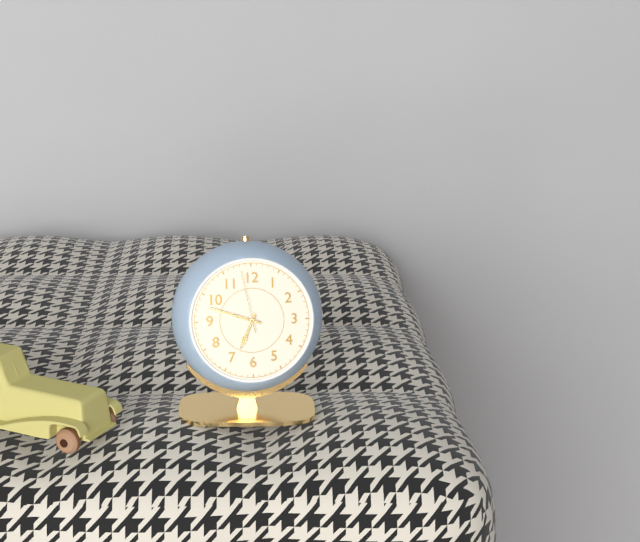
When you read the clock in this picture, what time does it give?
6:48:58
